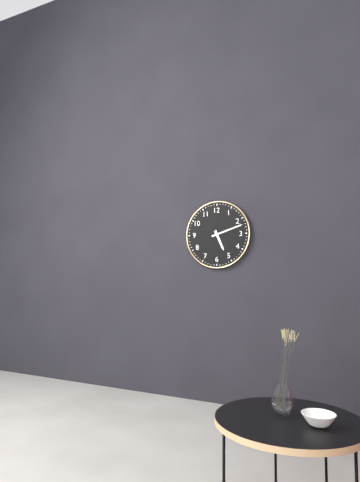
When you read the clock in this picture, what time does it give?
5:12
